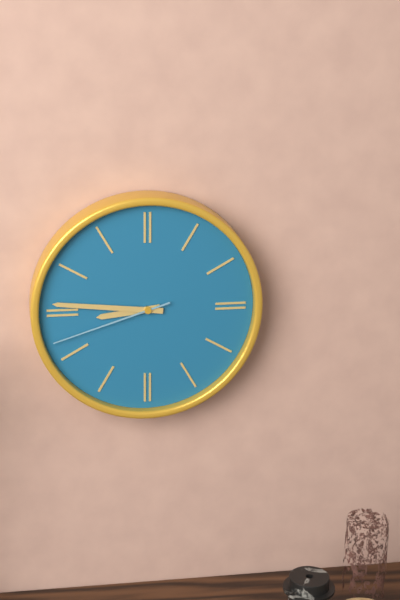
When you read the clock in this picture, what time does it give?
8:46:42
